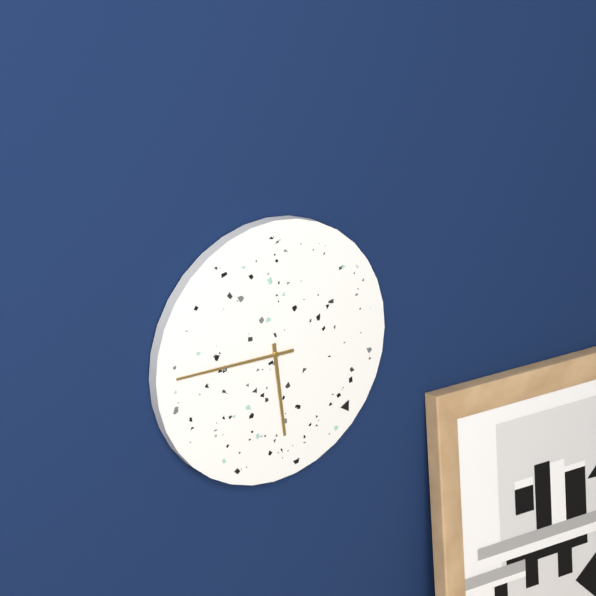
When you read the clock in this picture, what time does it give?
5:45
